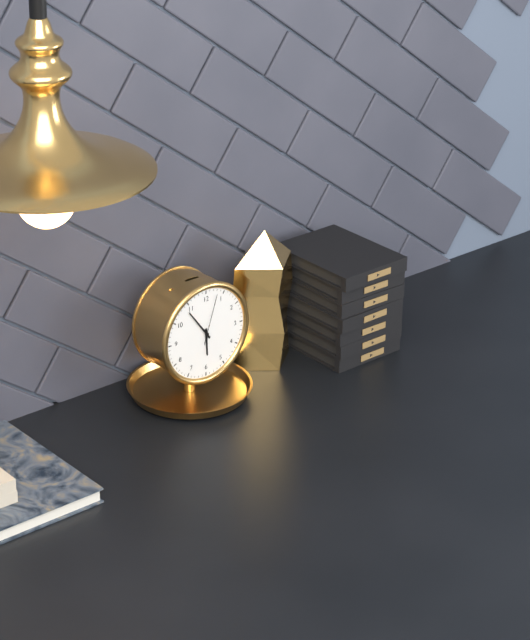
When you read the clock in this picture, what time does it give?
5:54:03
